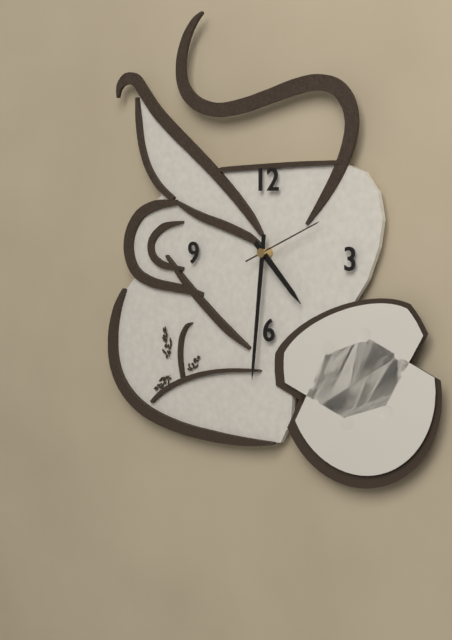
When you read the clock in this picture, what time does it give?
4:31:11
